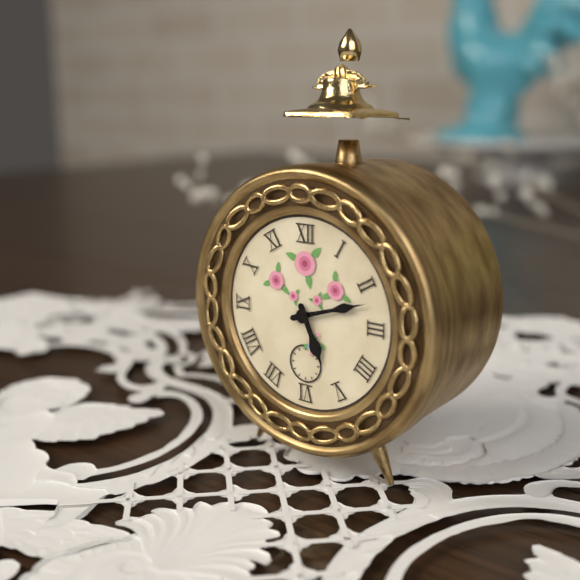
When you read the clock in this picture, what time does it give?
5:12
